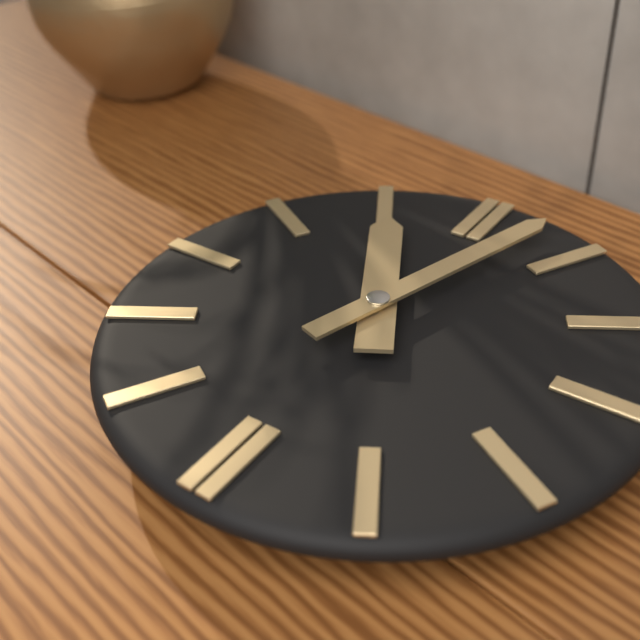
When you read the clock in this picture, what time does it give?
11:03
